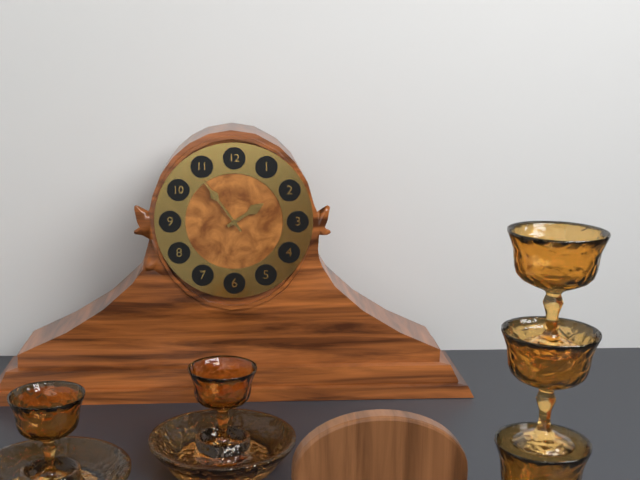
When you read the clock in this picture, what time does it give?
1:54
